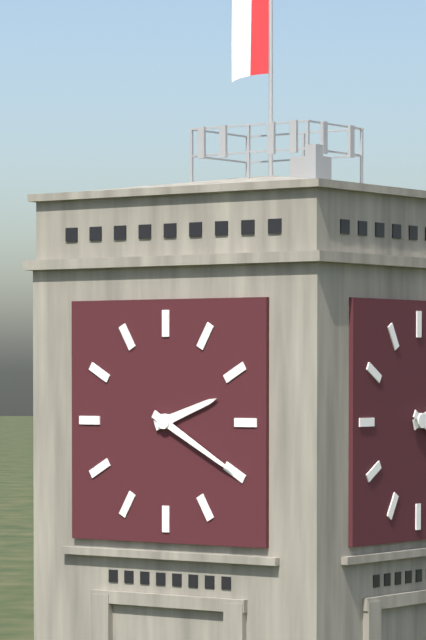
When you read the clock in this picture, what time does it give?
2:20
